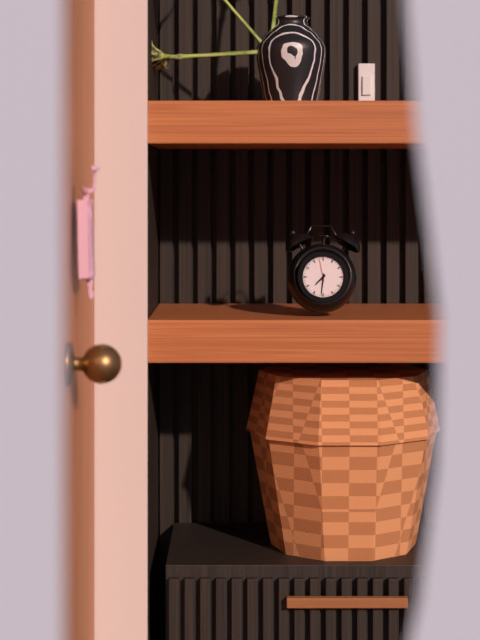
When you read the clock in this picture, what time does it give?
7:31
